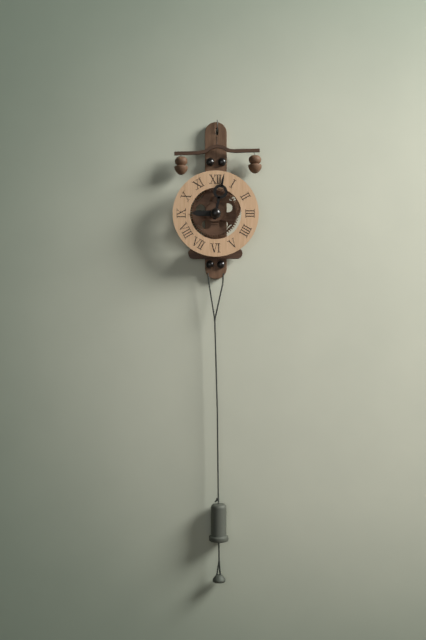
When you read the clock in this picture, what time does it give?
9:02
